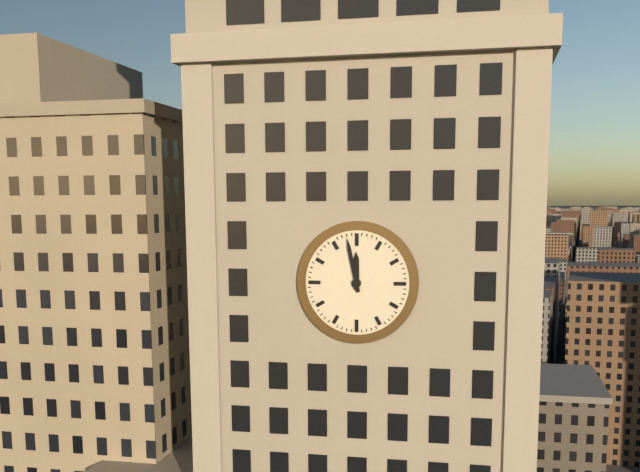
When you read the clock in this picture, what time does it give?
11:58
